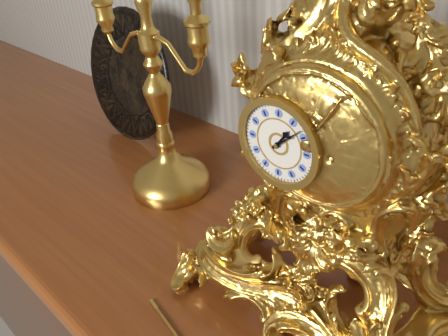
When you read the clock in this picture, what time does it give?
1:08
